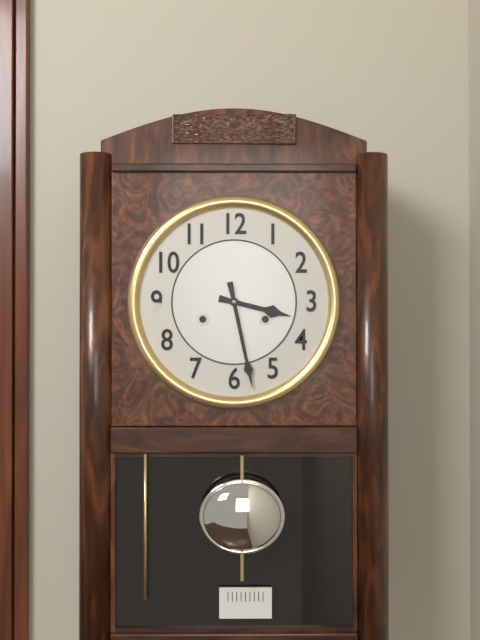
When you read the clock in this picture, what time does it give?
3:28
